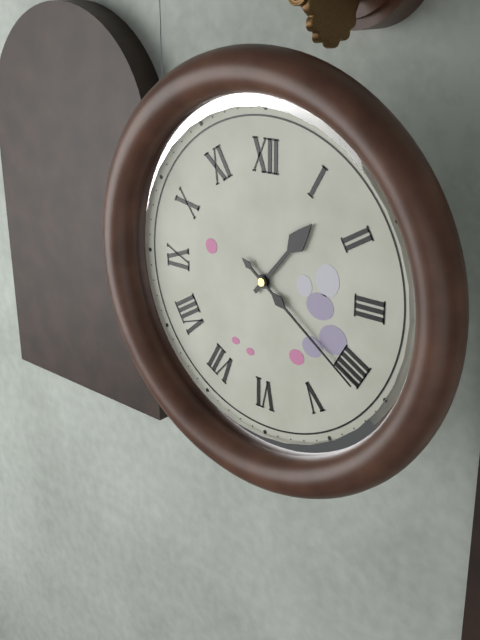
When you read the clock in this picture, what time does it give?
1:21
